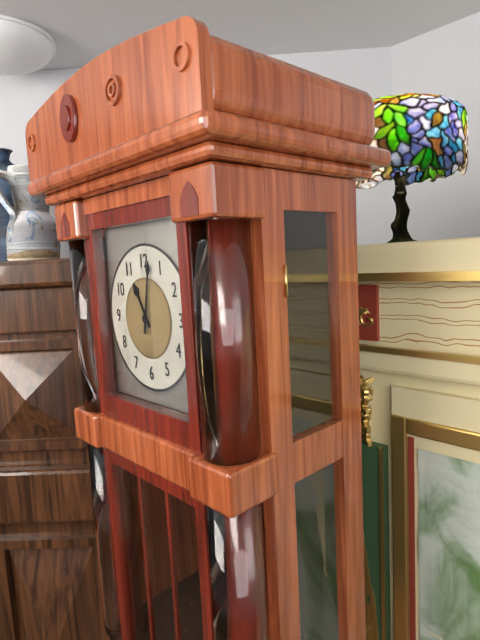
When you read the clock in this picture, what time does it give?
11:02
